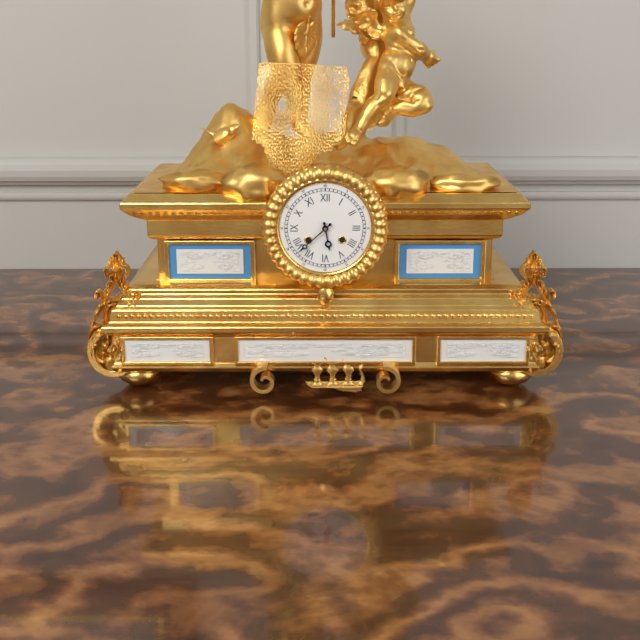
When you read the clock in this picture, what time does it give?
5:38
